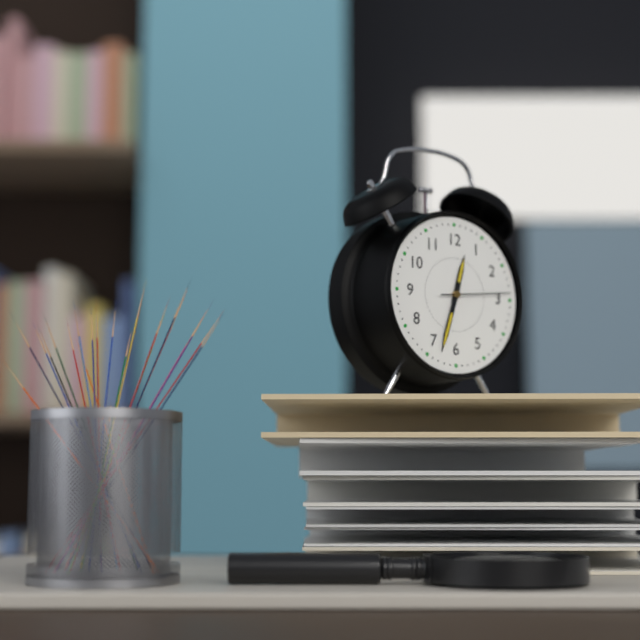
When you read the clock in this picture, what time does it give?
12:33:14
